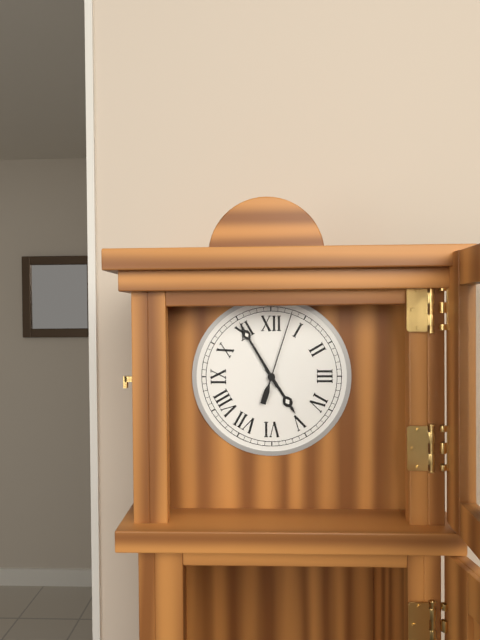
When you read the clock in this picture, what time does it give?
4:55:03
